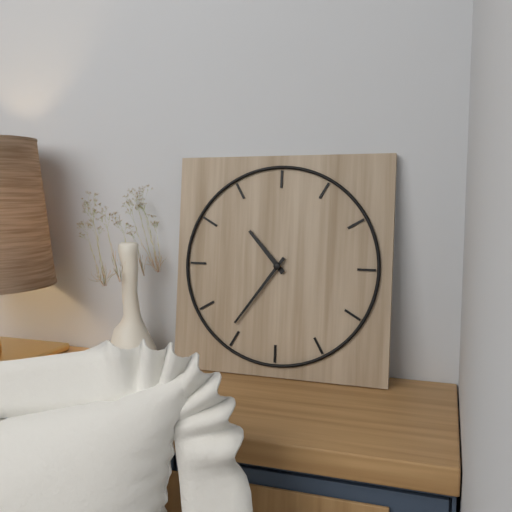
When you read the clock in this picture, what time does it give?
10:36
